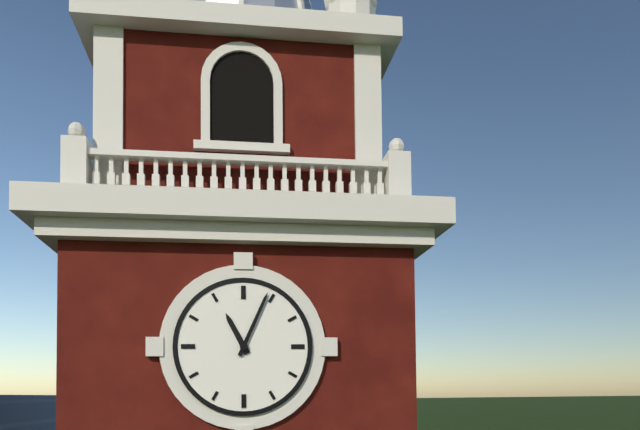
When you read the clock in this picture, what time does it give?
11:04
